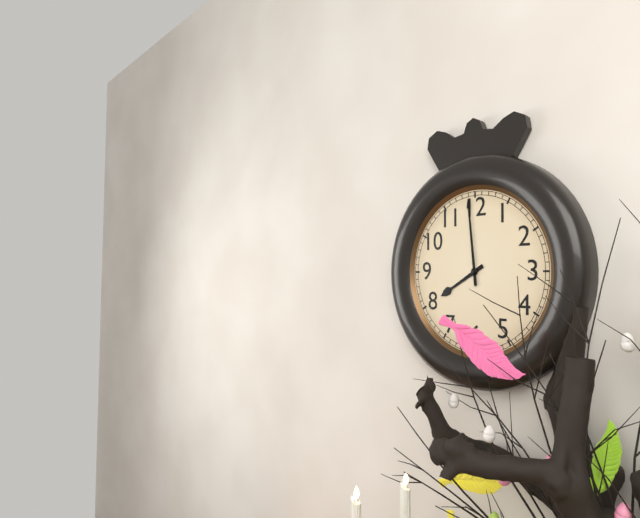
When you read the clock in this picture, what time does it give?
7:59
